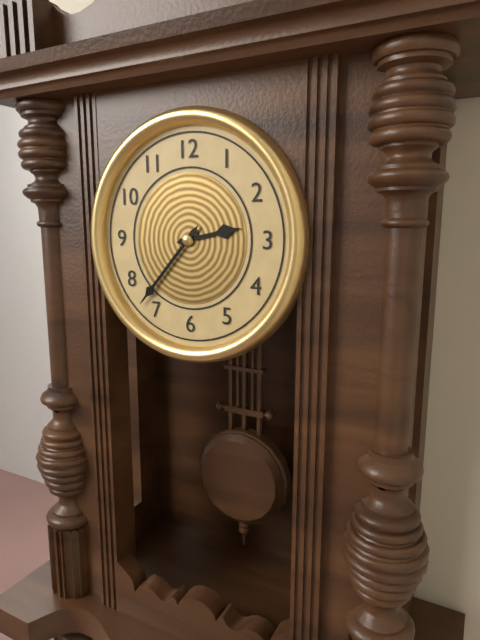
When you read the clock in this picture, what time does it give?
2:37
